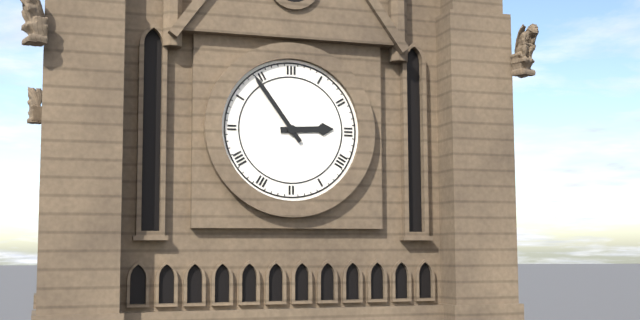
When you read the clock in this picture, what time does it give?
2:54
